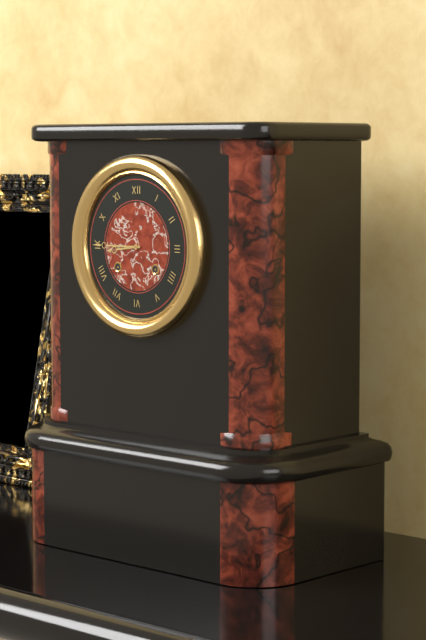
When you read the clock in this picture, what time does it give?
8:45
